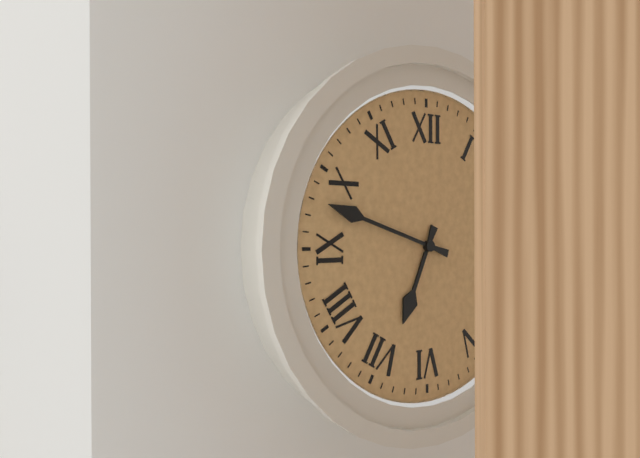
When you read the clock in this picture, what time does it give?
6:48
